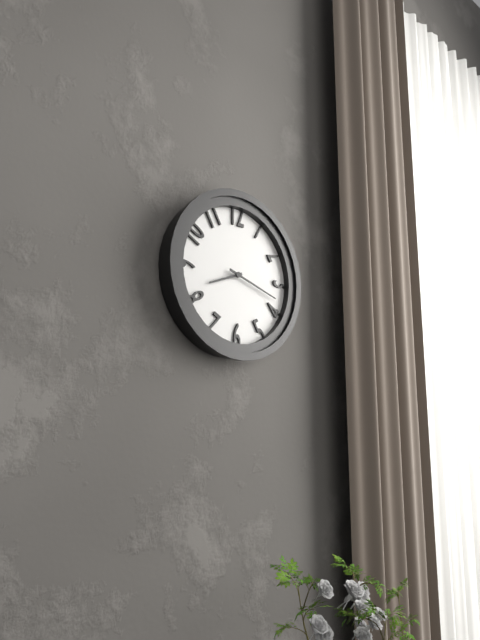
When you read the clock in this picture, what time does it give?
8:18
